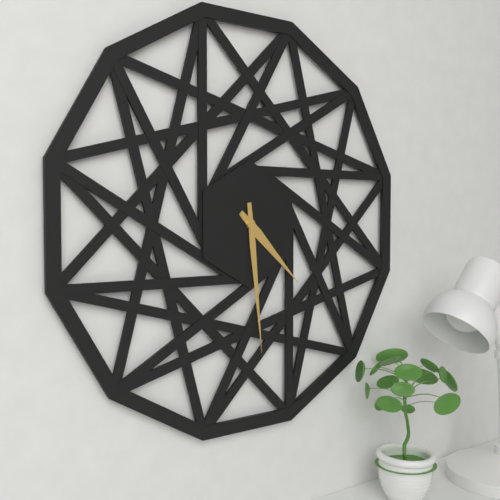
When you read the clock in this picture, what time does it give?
4:29
